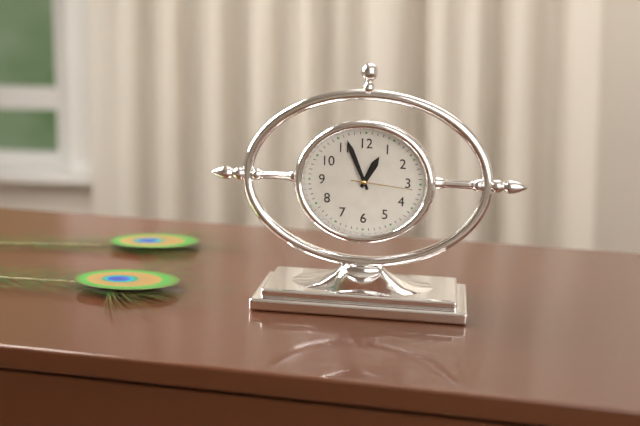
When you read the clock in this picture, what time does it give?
12:56:16
